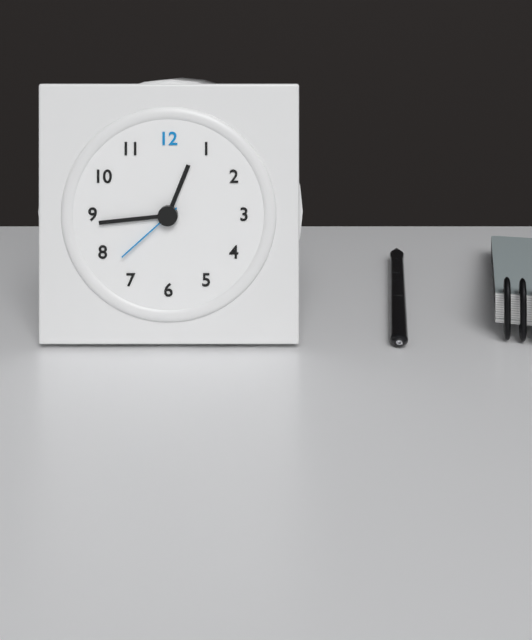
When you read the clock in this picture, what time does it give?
12:44:38
